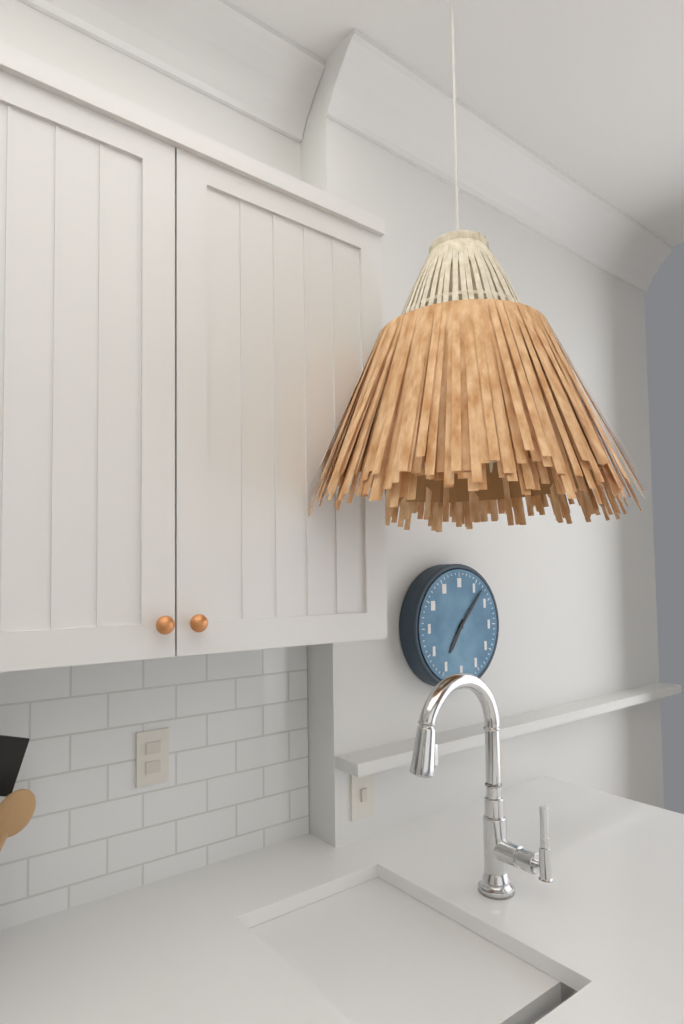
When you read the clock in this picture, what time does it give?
7:07
